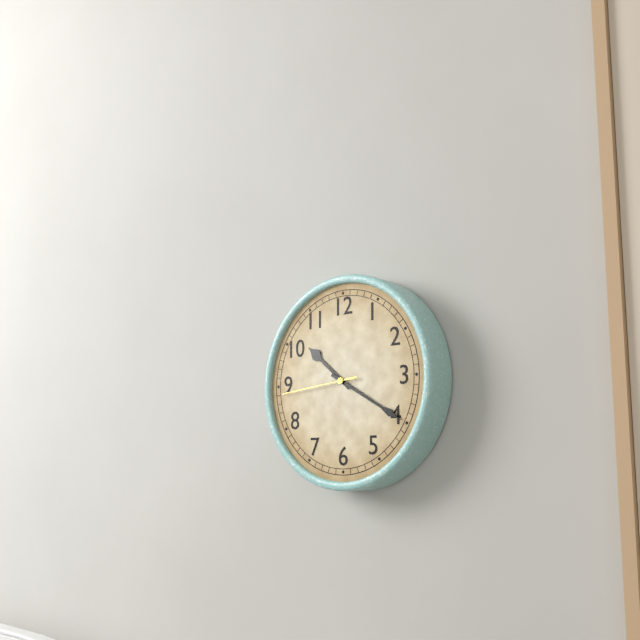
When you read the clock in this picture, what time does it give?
10:20:44
